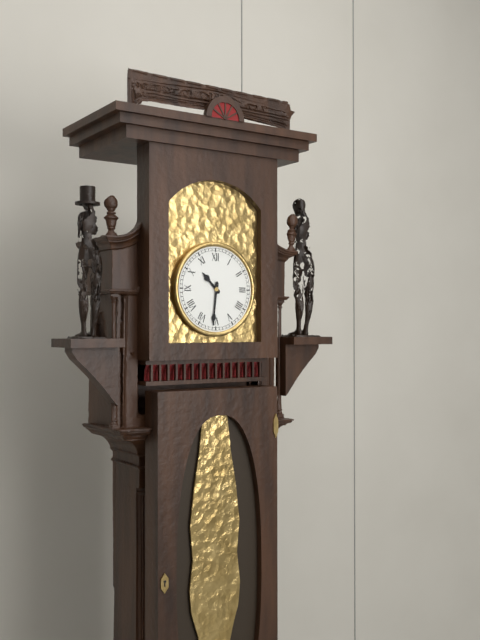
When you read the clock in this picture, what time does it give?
10:31
